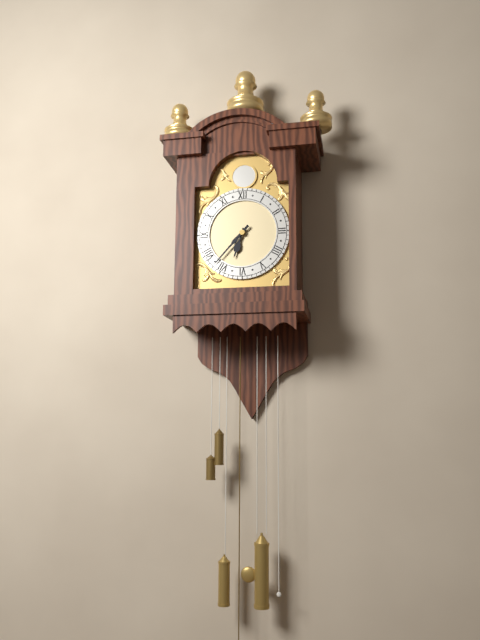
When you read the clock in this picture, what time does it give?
6:37
